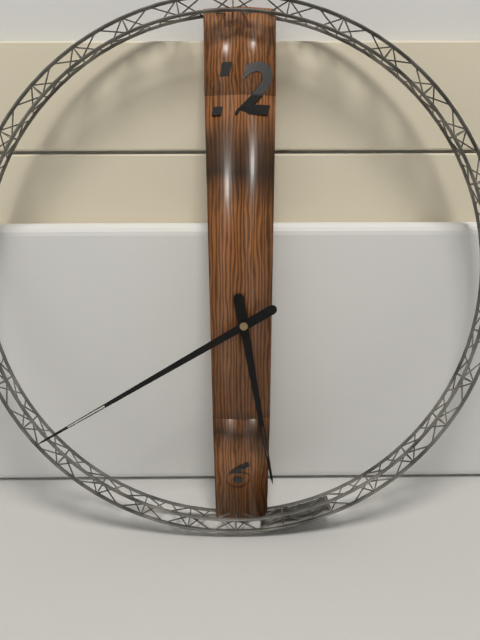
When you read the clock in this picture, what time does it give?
5:40
